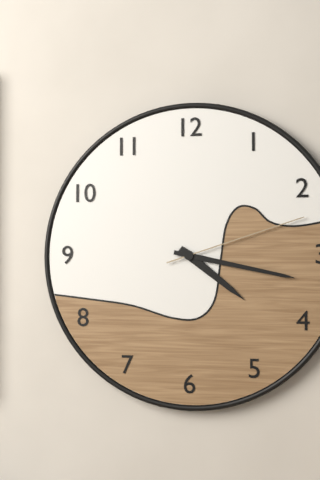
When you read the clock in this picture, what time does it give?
4:17:12
